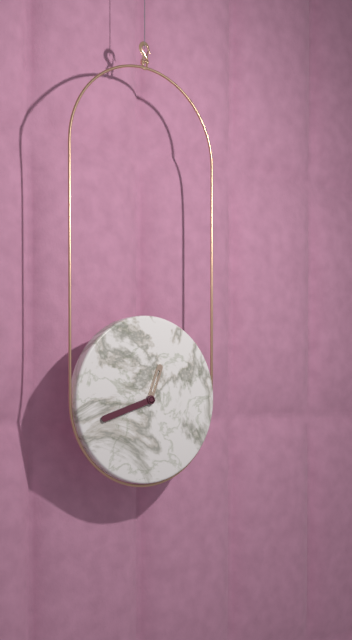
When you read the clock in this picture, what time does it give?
12:42
